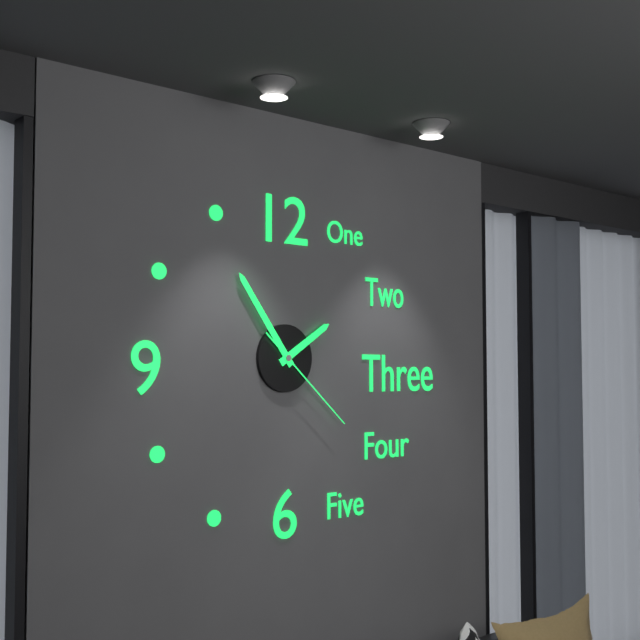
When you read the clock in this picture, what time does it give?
1:54:22
